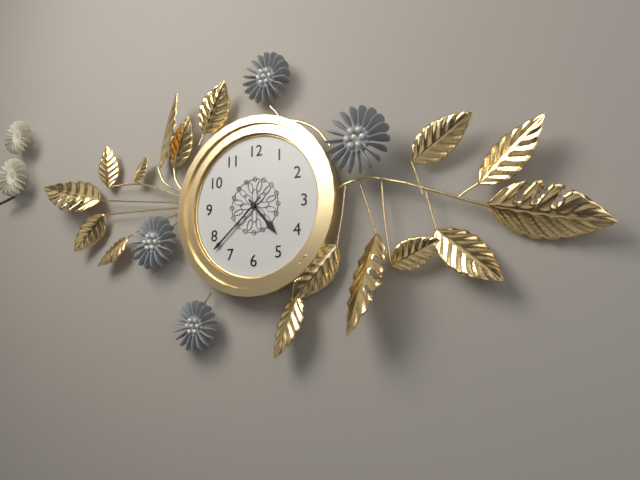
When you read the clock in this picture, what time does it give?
4:38
